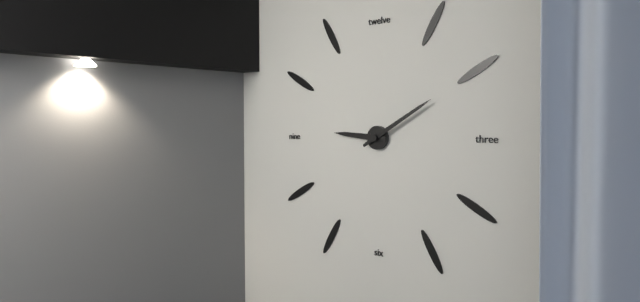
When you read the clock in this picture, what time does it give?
9:10
